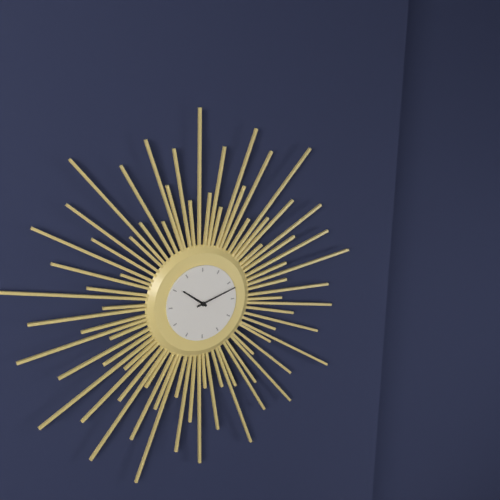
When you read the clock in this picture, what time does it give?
10:12
